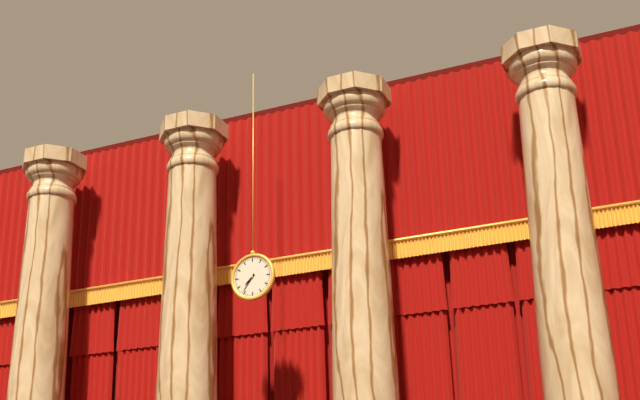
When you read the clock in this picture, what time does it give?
7:36
